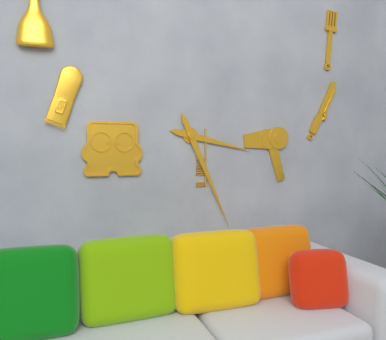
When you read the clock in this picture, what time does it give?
3:26
